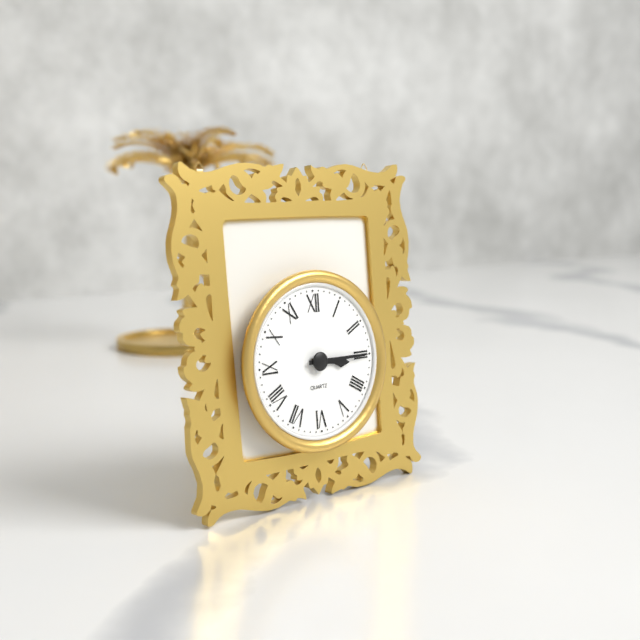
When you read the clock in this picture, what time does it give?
3:15
